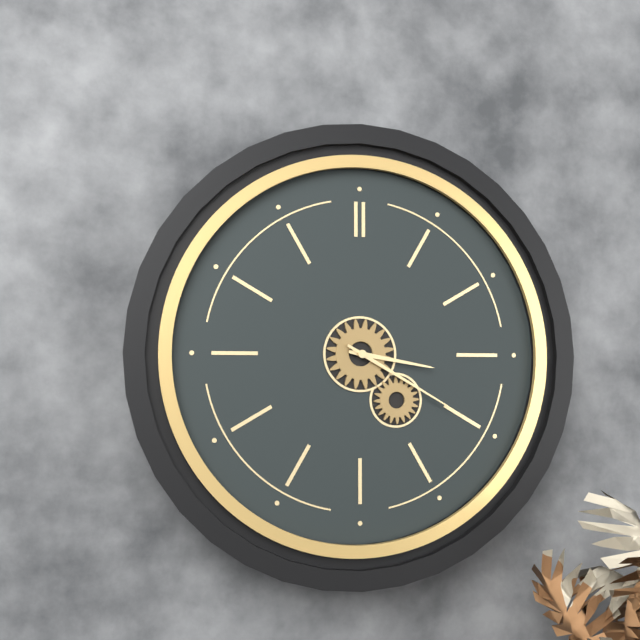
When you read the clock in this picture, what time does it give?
3:20
